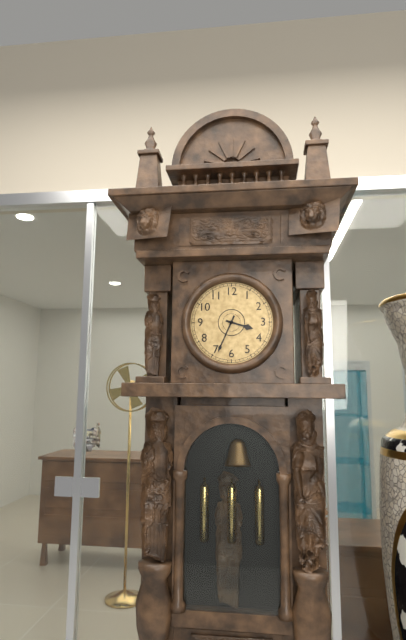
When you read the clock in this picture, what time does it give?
3:34
